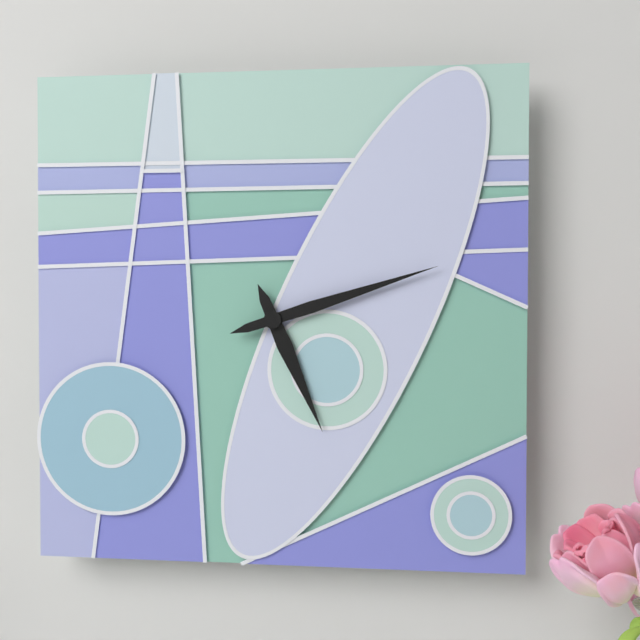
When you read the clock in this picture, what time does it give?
5:12
